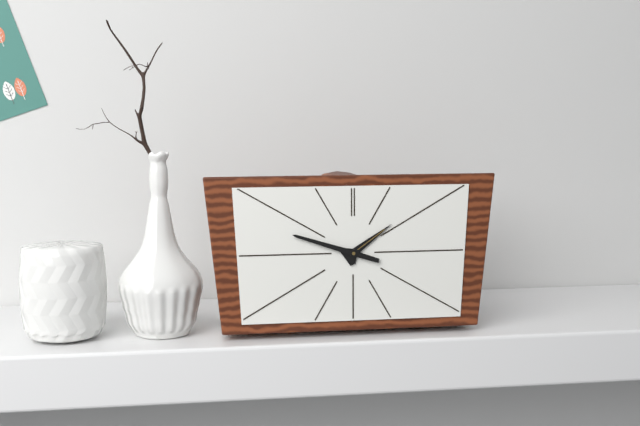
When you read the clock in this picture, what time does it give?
1:48
